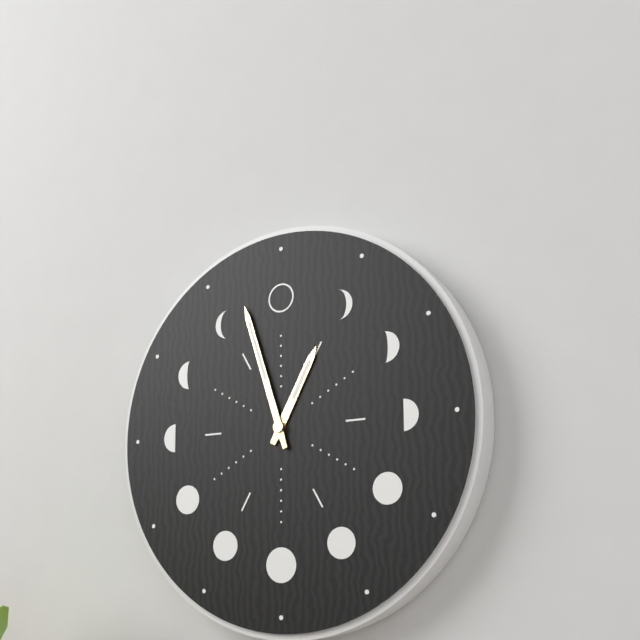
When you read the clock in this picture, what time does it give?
12:57
